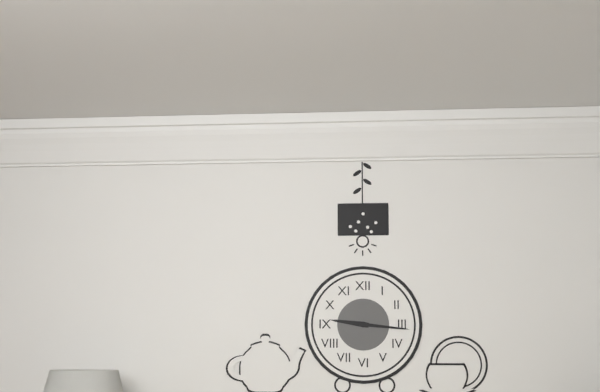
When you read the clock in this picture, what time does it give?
9:16
